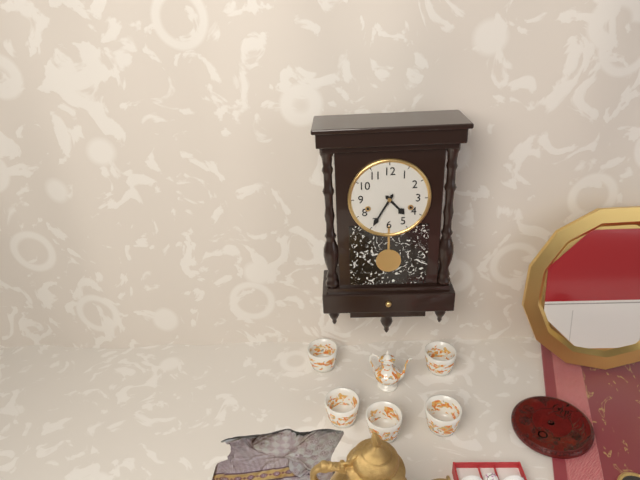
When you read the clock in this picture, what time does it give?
4:35
